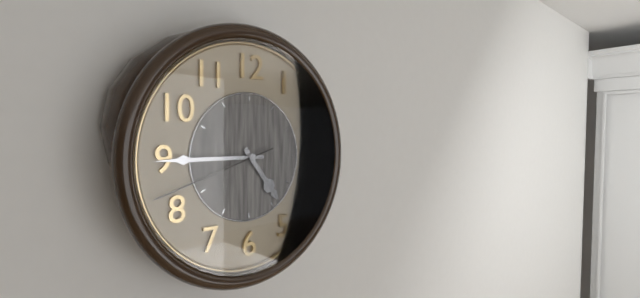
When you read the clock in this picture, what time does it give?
4:45:42
